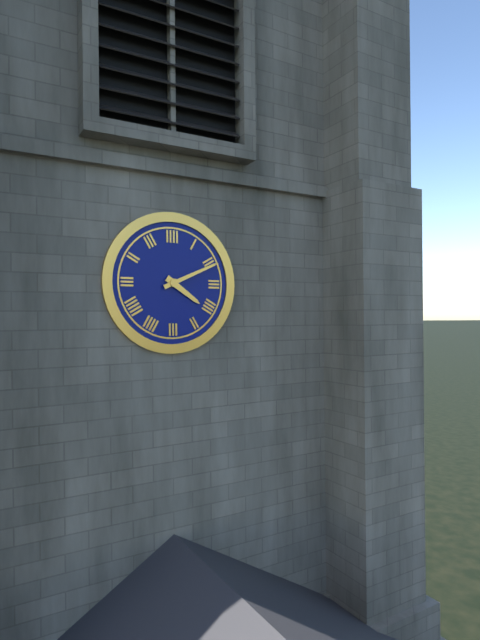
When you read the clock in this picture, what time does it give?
4:11
